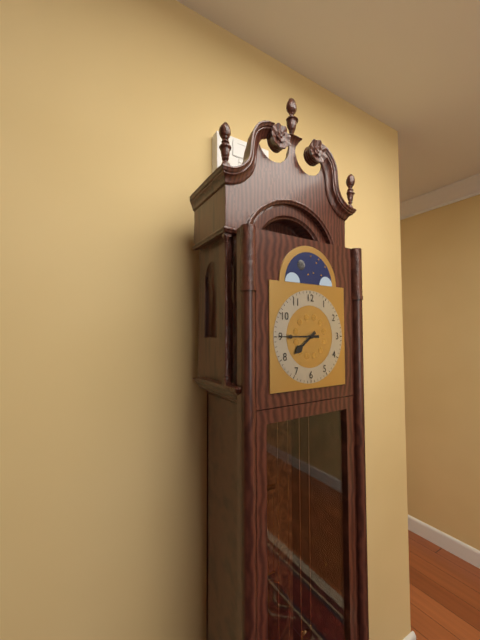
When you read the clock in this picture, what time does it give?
7:45
